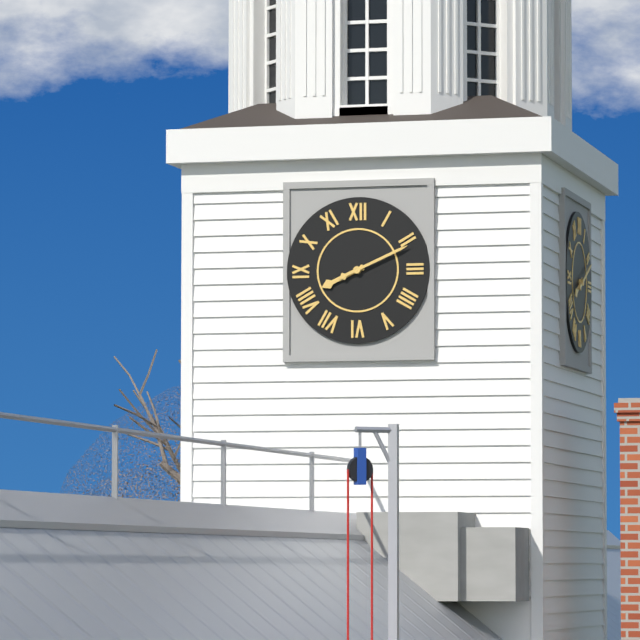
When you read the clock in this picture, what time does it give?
8:11
